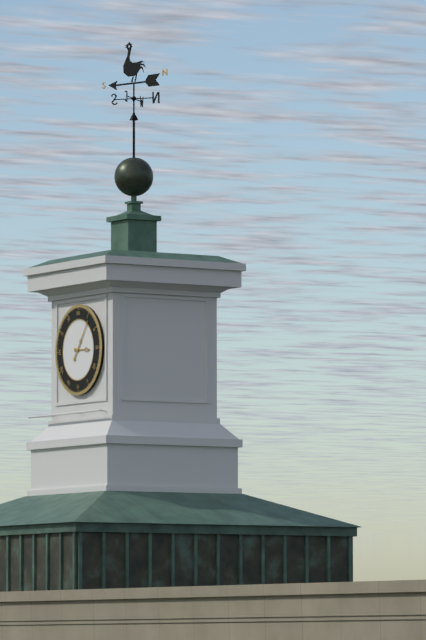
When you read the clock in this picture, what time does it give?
3:06
